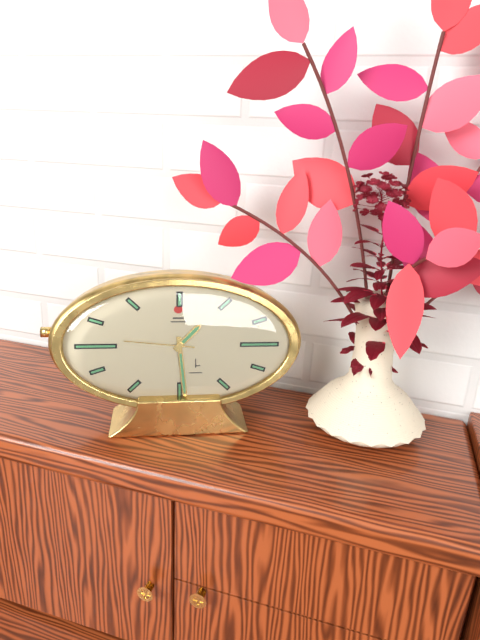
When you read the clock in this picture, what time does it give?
1:29:46
